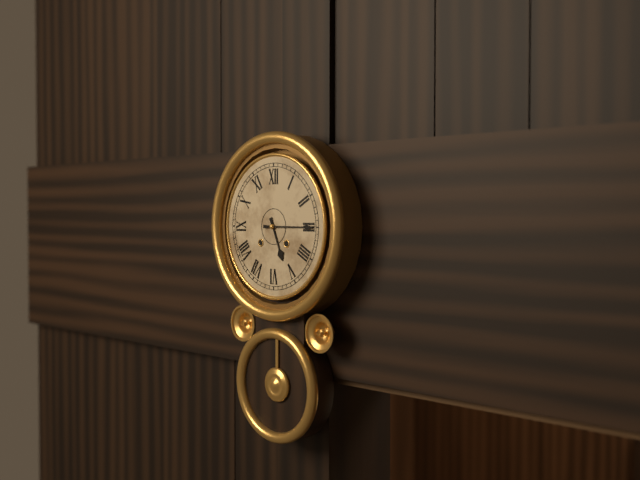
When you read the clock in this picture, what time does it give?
5:15
